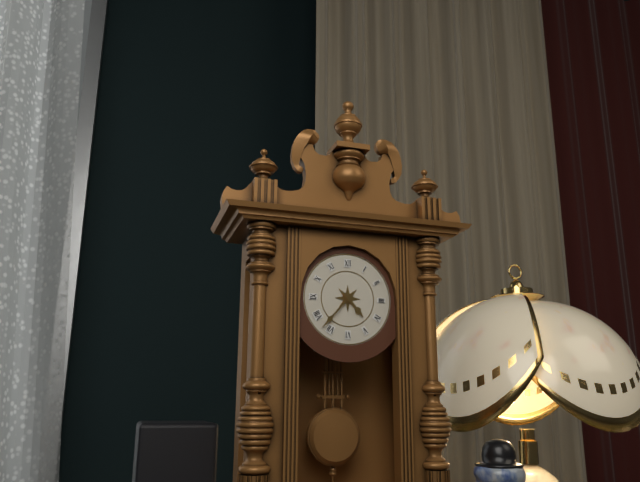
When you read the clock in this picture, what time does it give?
4:37
